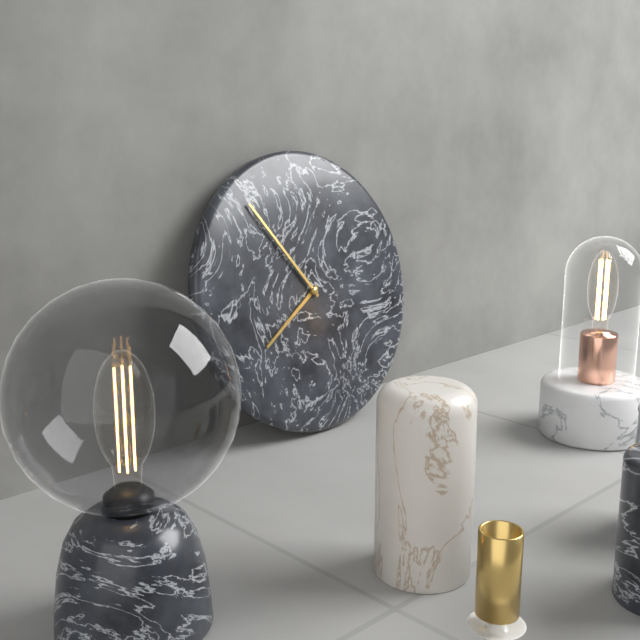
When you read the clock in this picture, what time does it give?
7:54
